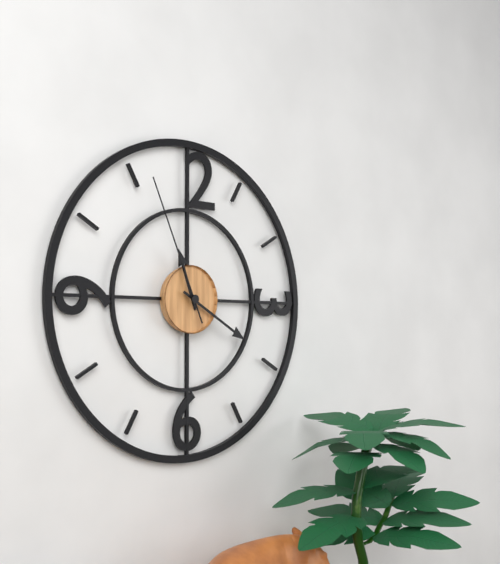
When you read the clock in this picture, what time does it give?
11:20:56
